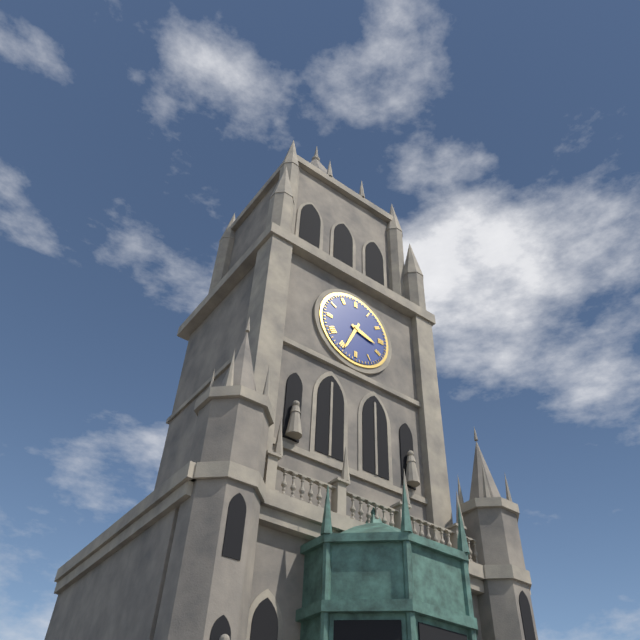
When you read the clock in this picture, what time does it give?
3:34
